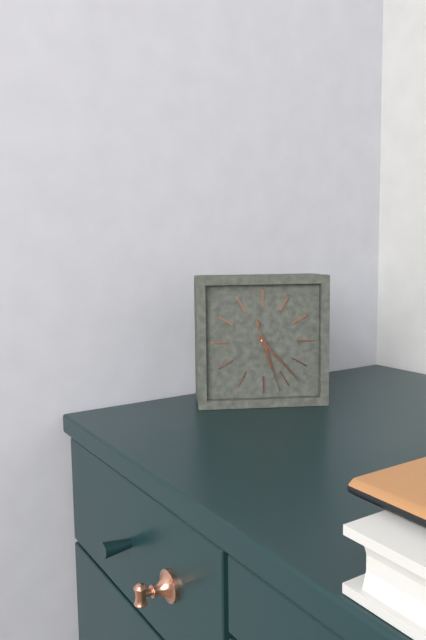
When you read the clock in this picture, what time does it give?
5:23:27
